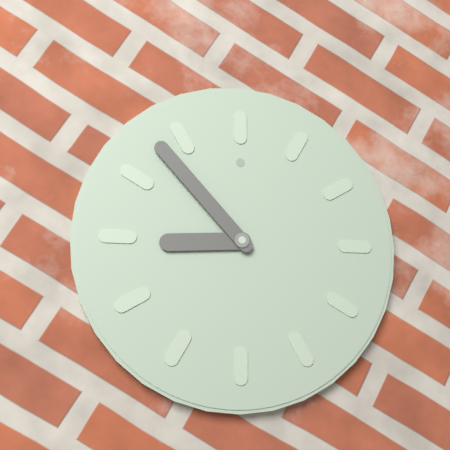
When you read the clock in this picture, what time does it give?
8:53
